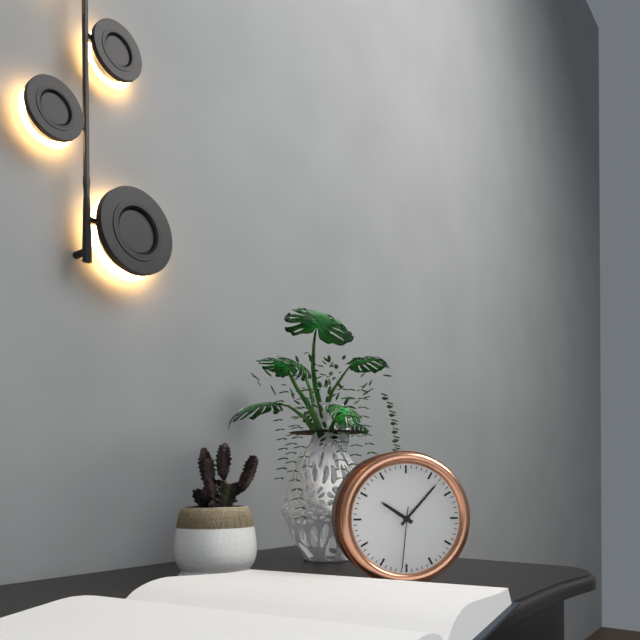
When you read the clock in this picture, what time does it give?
10:07:31
